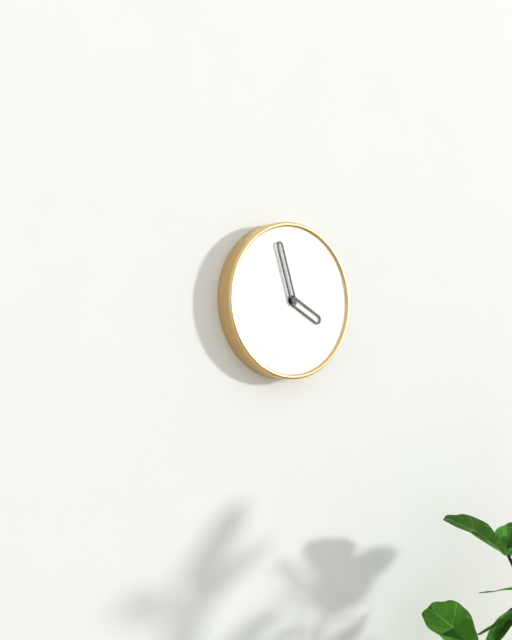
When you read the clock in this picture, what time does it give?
3:57
